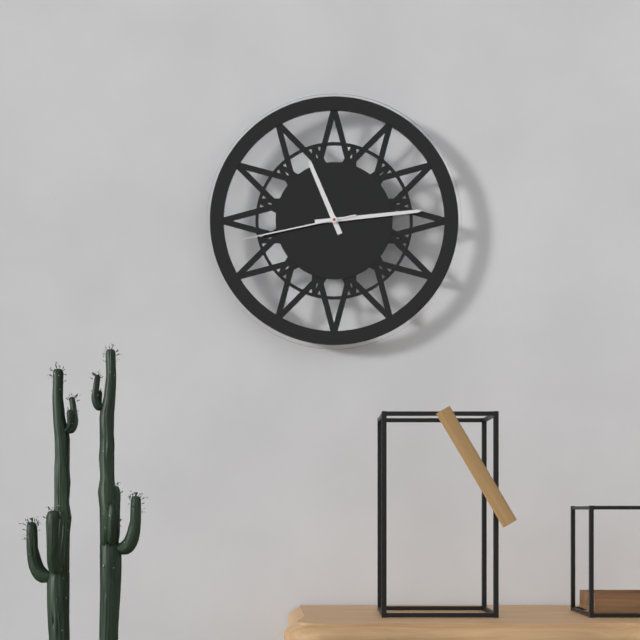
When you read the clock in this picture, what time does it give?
11:14:43
